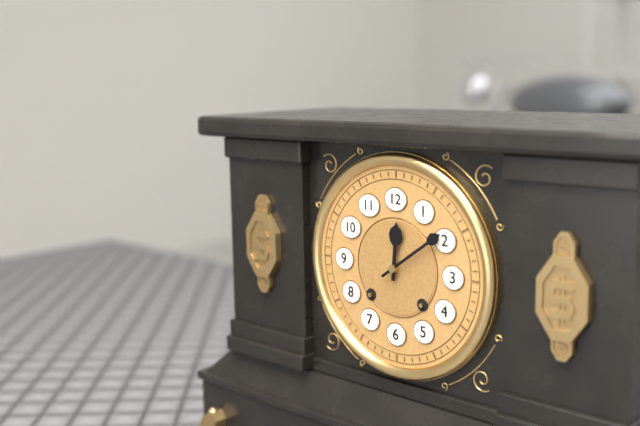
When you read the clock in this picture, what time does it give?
12:09
